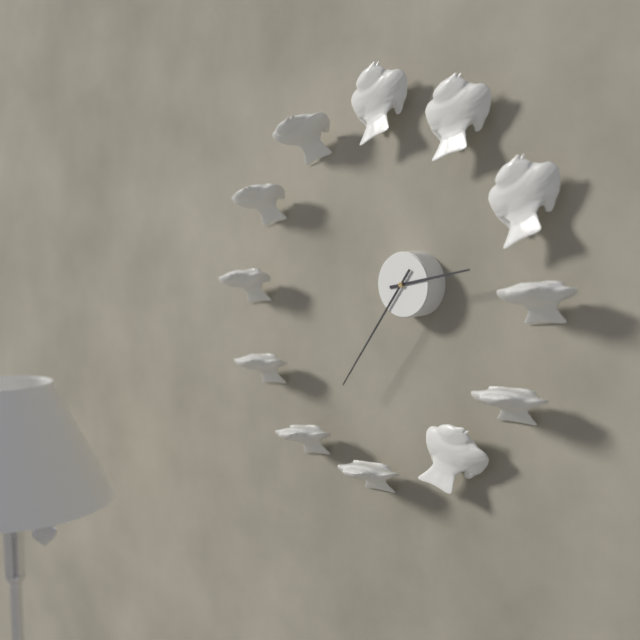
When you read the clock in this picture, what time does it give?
2:36
